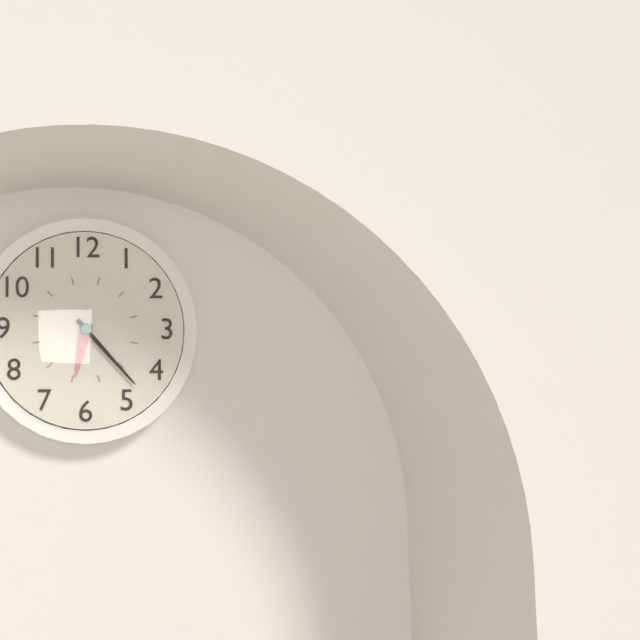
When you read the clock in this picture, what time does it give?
6:23
